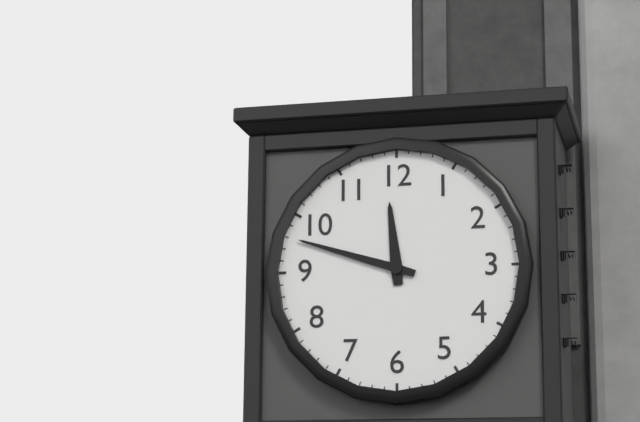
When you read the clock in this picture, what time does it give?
11:48
